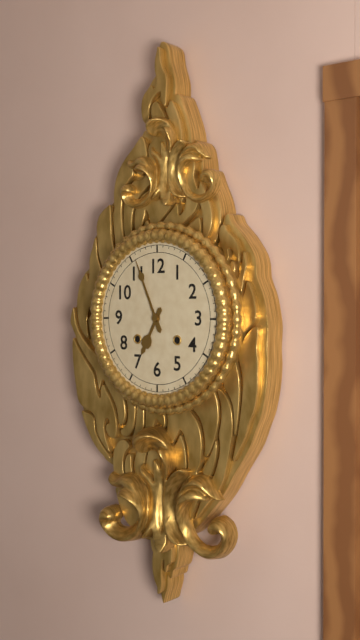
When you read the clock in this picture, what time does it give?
6:56
